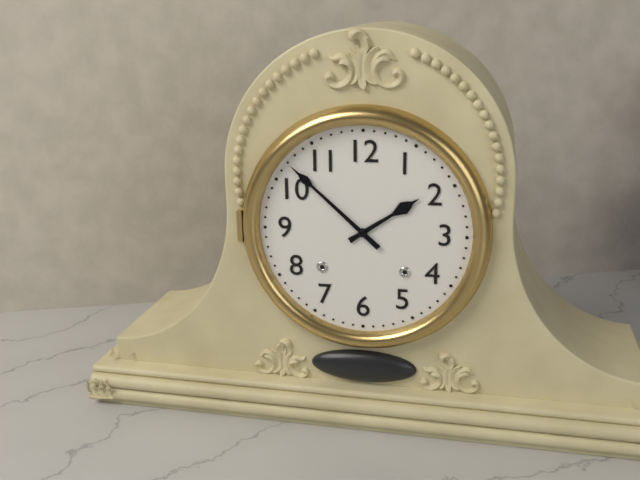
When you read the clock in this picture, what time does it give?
1:52
